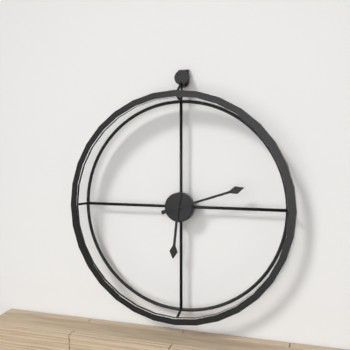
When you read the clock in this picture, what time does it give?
6:12
